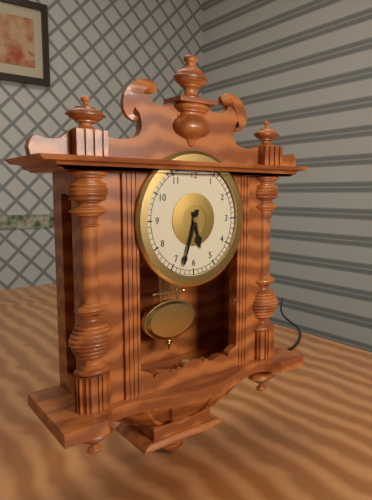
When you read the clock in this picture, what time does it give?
5:33
